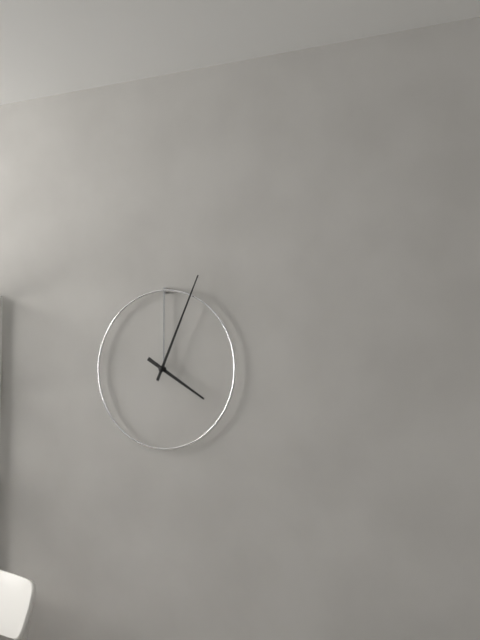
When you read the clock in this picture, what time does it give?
4:04
